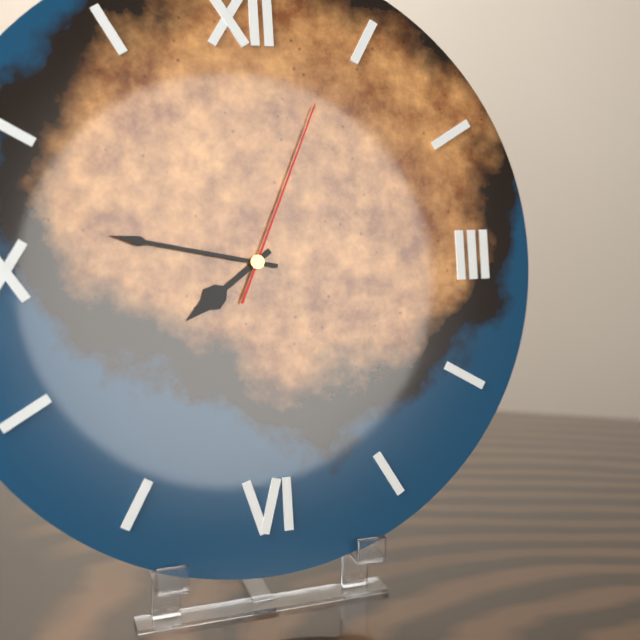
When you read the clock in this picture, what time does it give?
7:47:04
